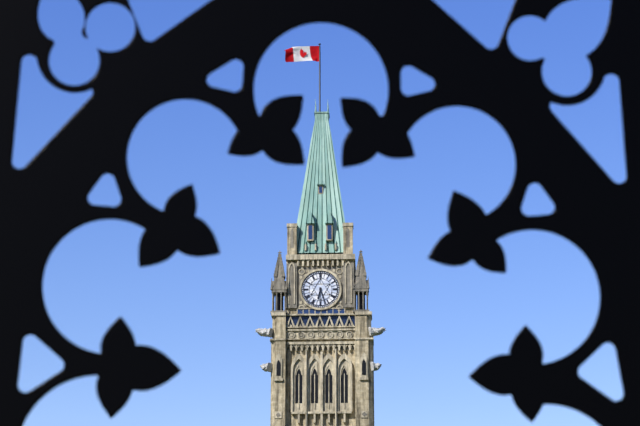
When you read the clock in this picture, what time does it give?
6:27
